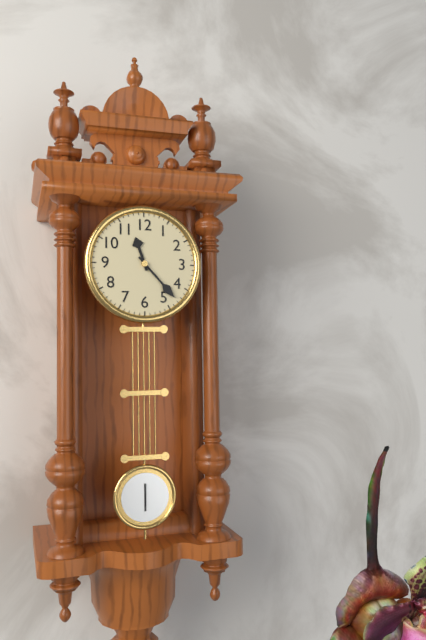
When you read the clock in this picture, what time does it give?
11:23
